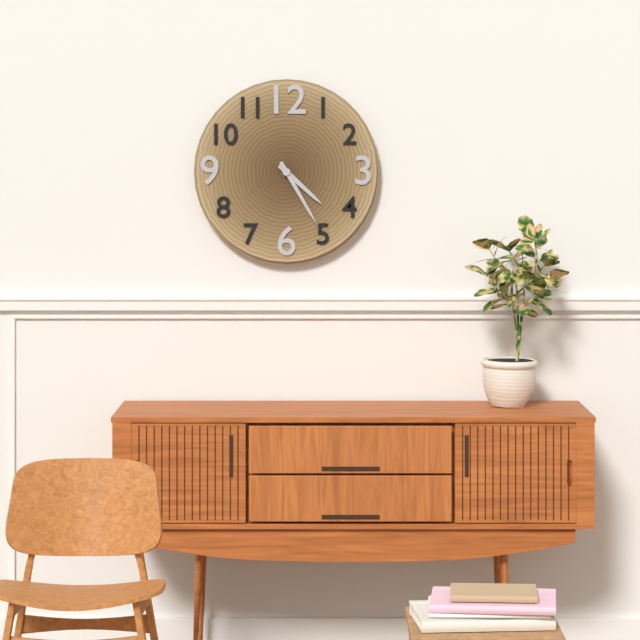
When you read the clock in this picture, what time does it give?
4:25
